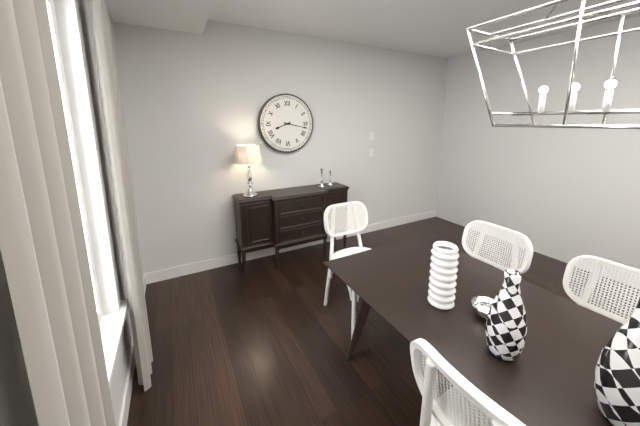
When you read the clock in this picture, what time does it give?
8:17
